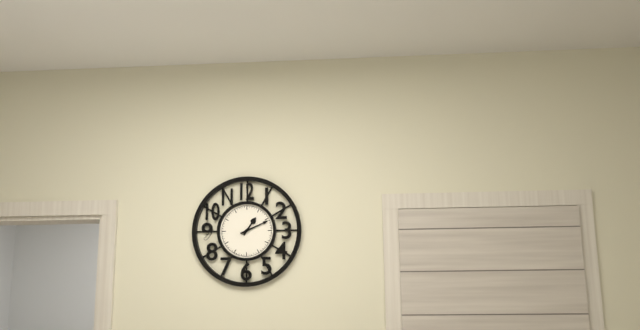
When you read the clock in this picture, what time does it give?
1:11
